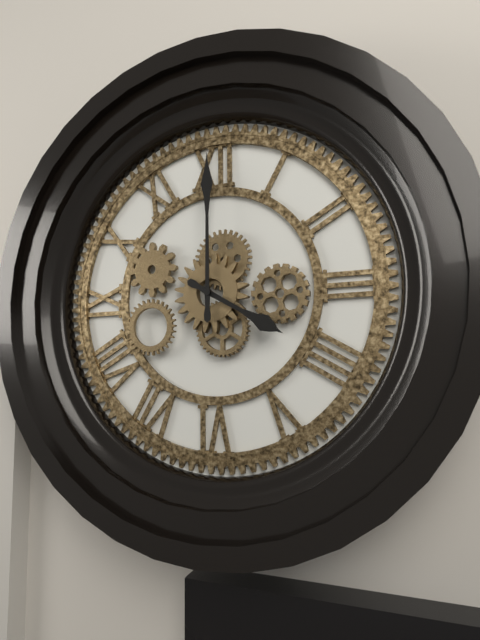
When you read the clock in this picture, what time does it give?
4:00
